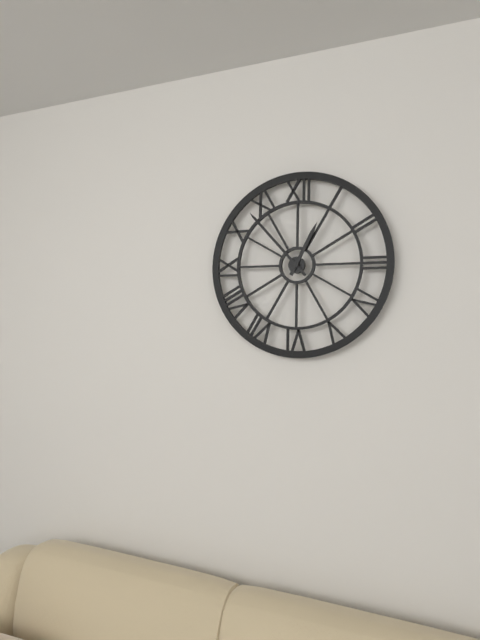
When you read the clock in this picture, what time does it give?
12:53
